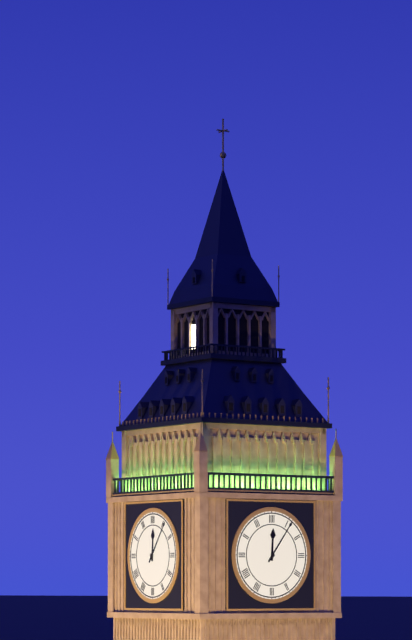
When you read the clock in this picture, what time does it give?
12:06
